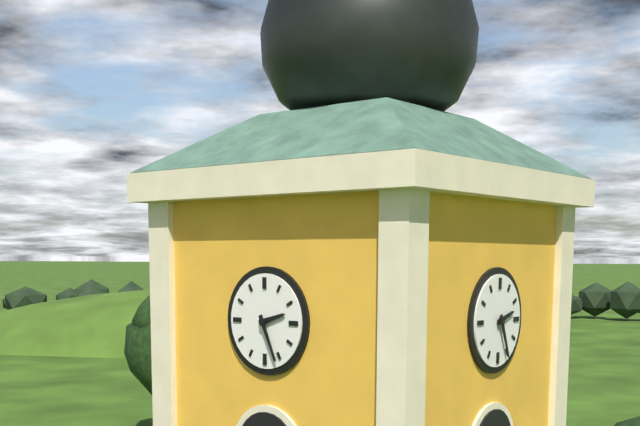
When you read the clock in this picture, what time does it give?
2:26
